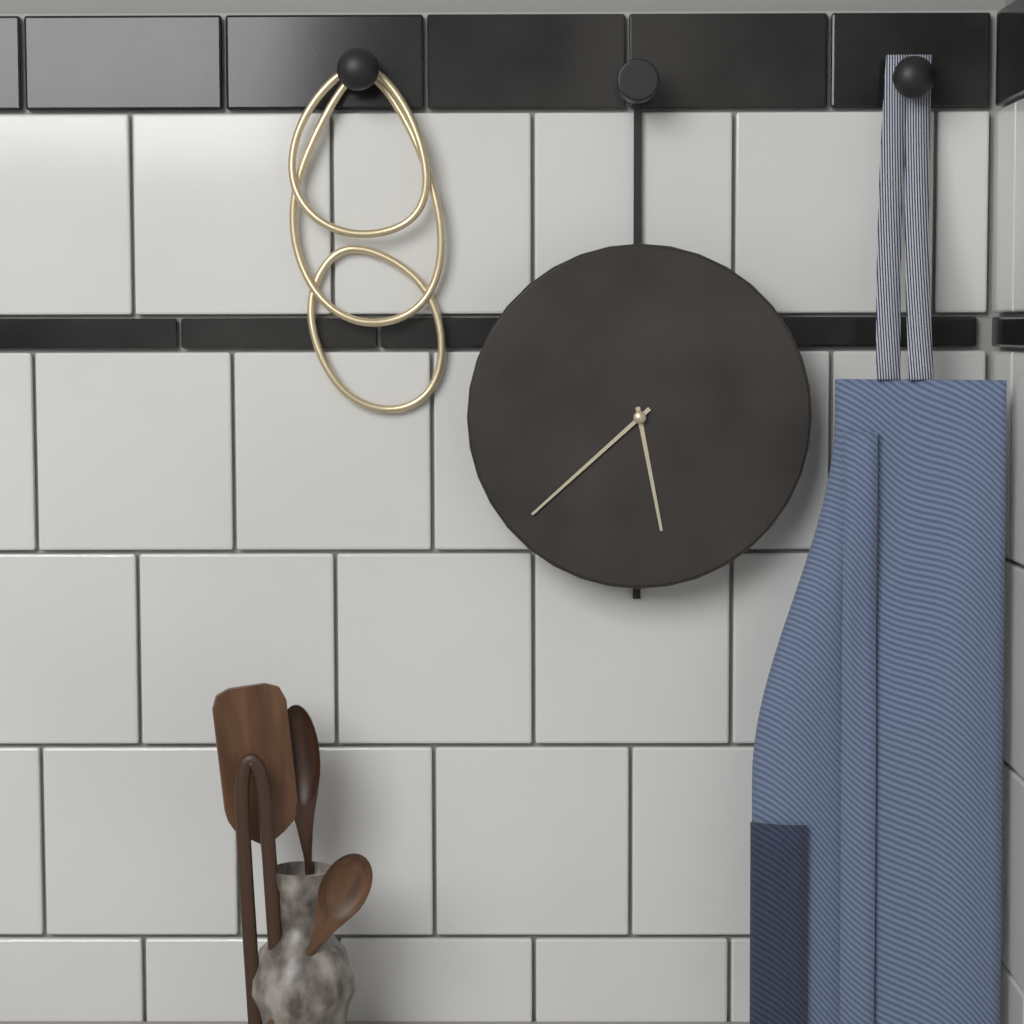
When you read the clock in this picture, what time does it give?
5:38
